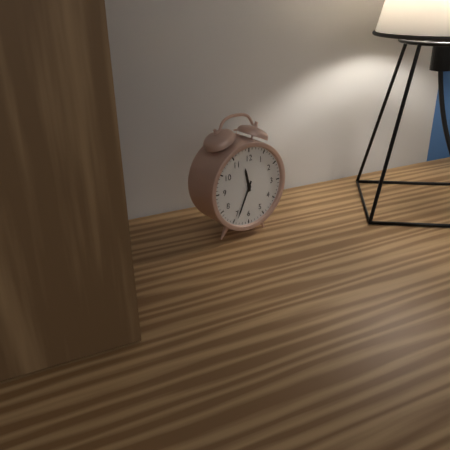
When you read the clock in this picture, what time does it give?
11:34
